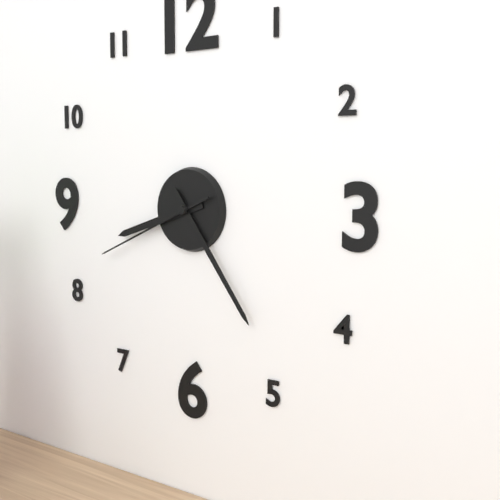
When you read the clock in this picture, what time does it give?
8:24:41
